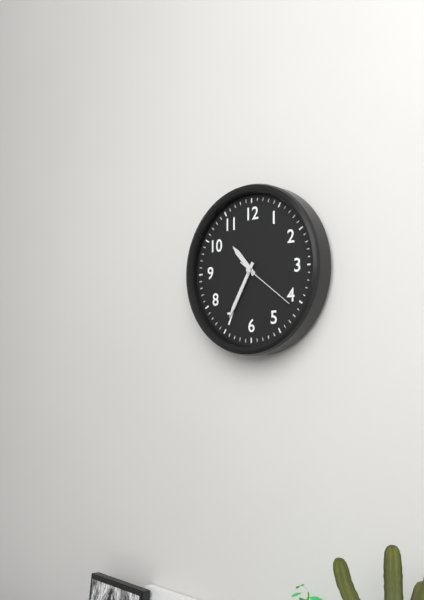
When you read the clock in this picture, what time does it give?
10:35:21
